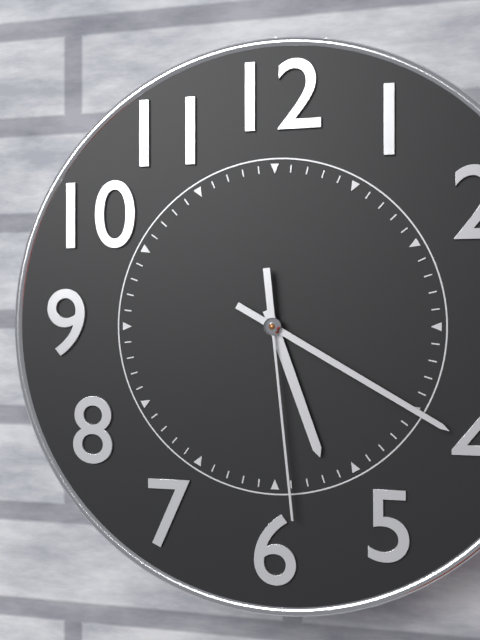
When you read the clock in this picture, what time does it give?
5:20:29
